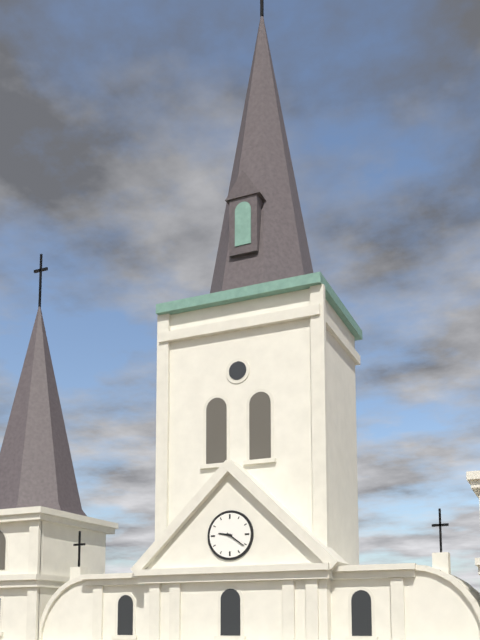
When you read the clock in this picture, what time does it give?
9:21
